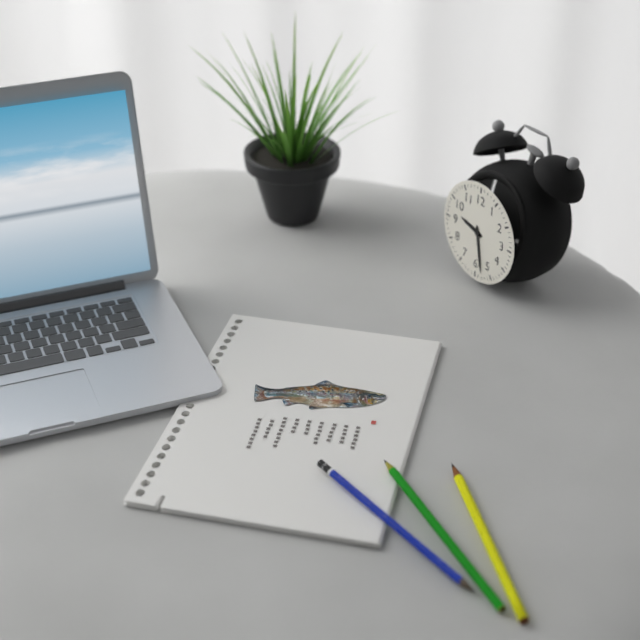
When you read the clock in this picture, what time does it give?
9:28
